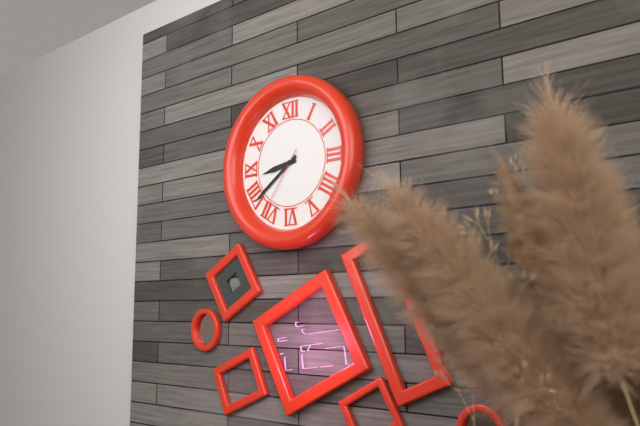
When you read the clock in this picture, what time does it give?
8:39:36
